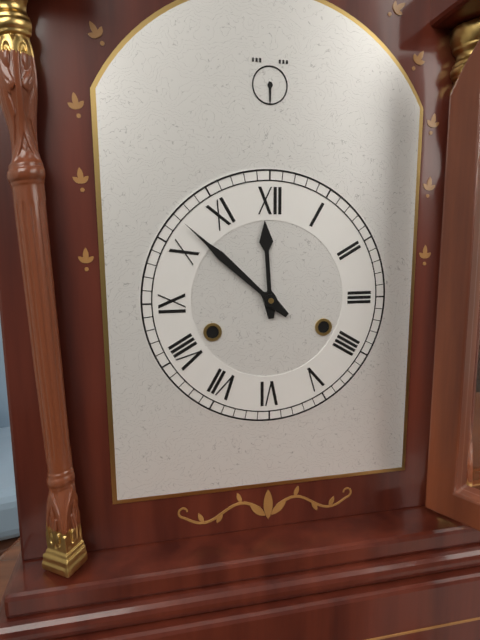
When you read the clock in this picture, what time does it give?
11:52
